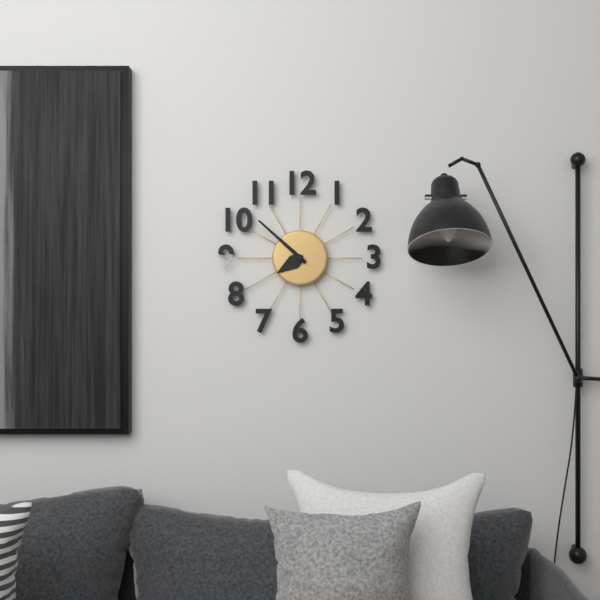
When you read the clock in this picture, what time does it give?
7:52
